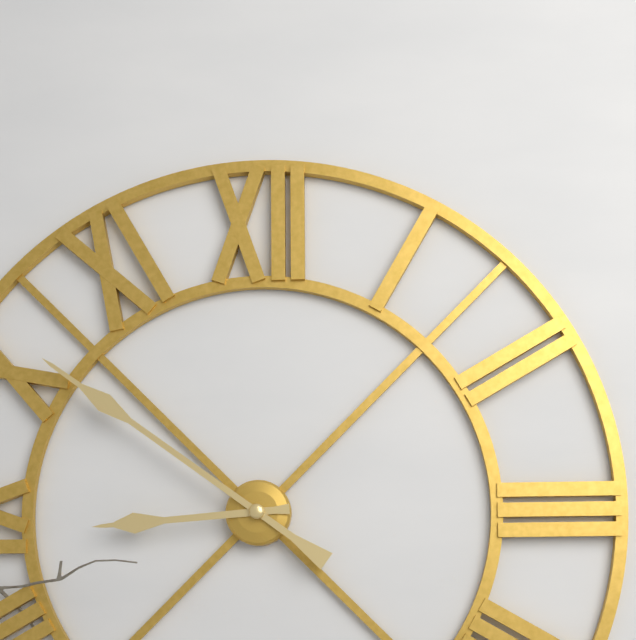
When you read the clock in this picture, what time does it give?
8:51
